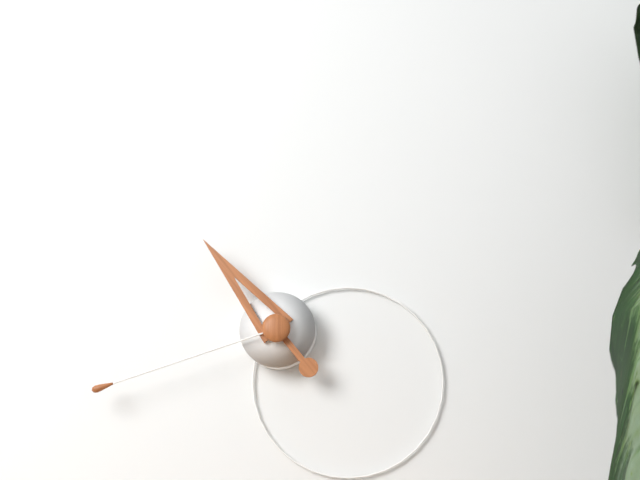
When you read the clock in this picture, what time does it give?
10:42
